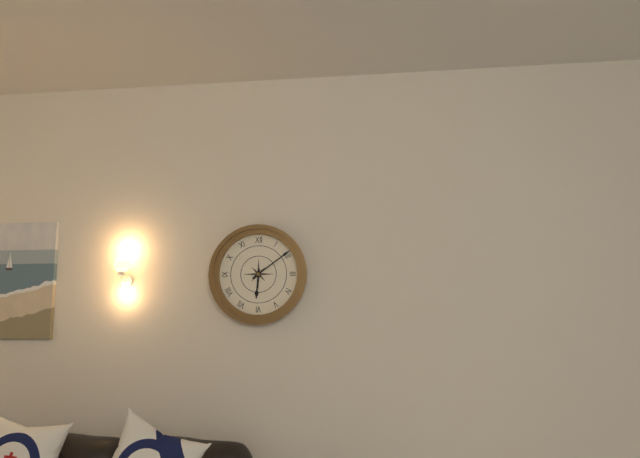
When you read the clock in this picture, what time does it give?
6:09
